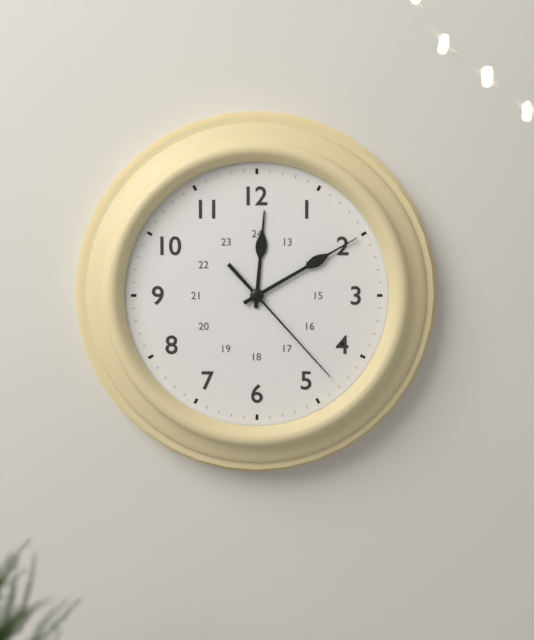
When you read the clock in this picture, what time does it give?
12:10:23
